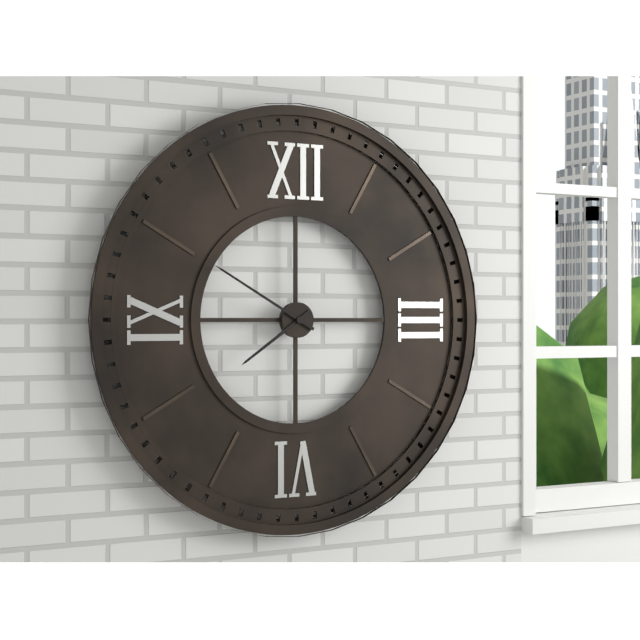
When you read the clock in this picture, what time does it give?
7:50
